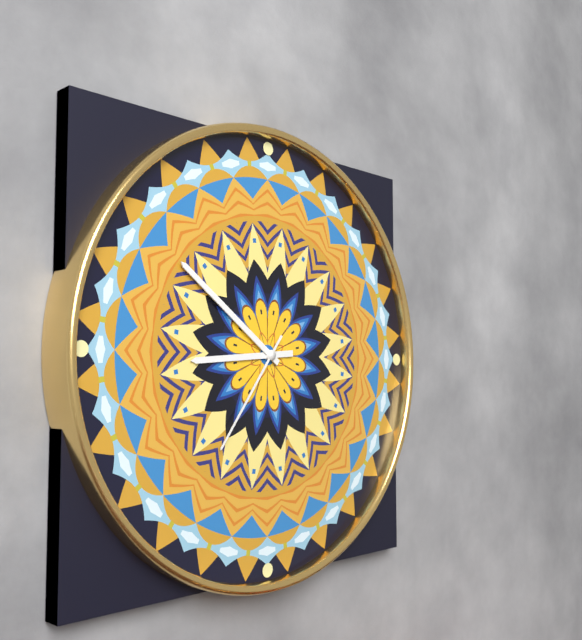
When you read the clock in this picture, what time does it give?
8:51:36
